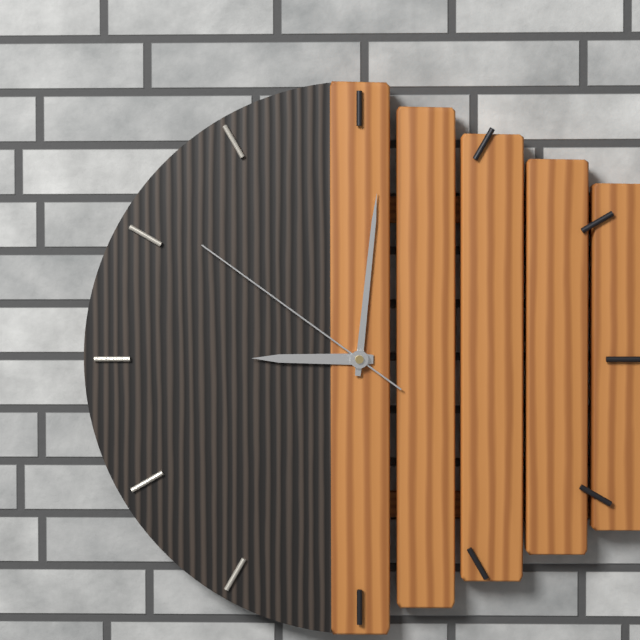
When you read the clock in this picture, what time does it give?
9:01:51
